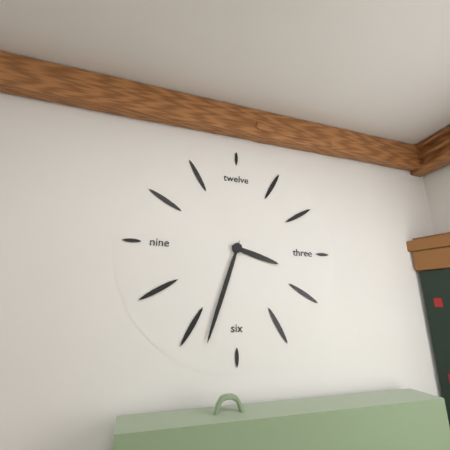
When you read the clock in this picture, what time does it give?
3:33
